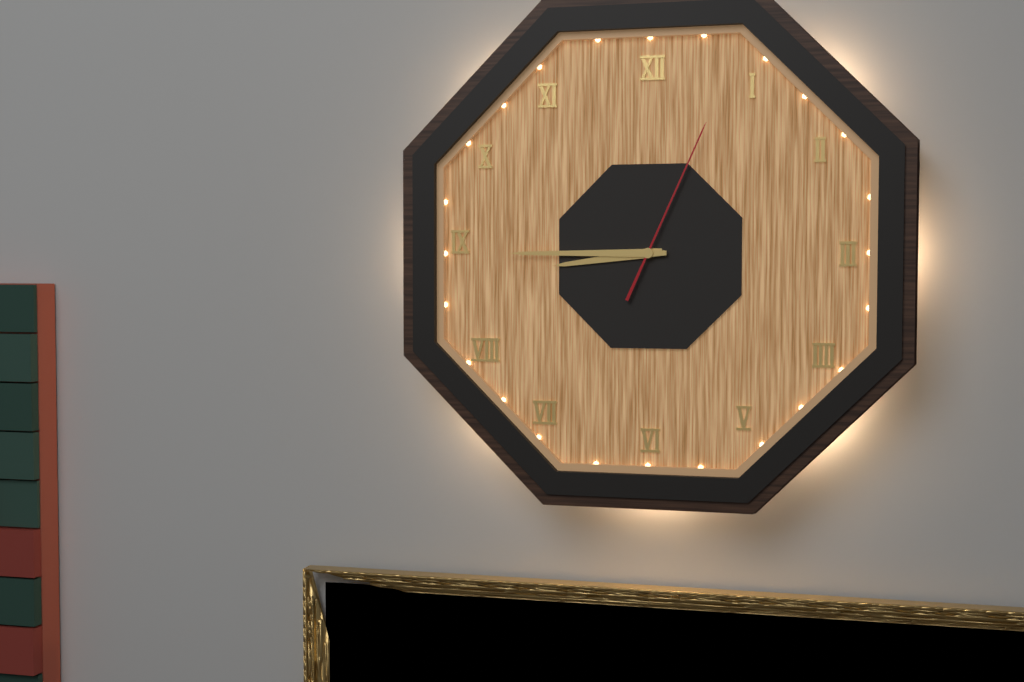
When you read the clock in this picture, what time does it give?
8:45:04
